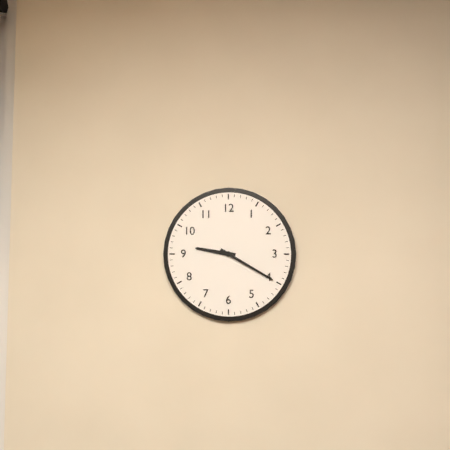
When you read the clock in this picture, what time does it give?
9:20
